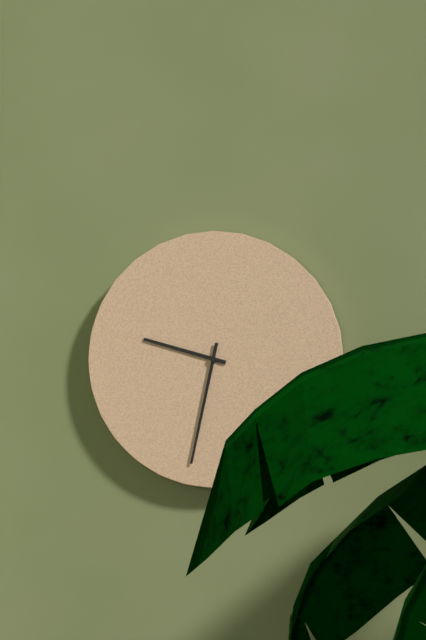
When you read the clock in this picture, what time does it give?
9:32
